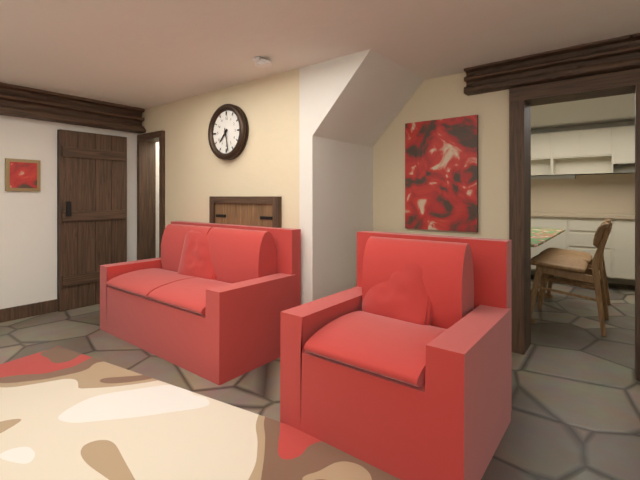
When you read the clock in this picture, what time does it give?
7:28
